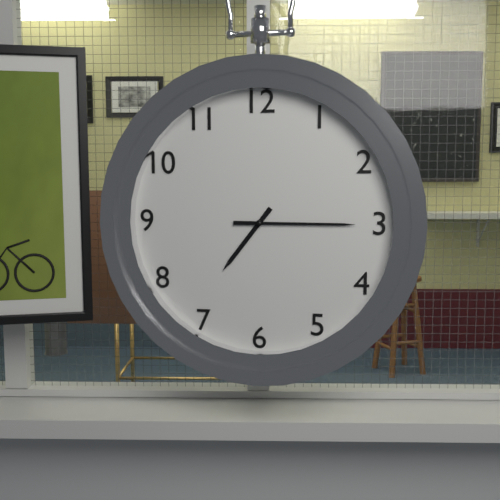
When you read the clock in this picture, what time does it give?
7:15
